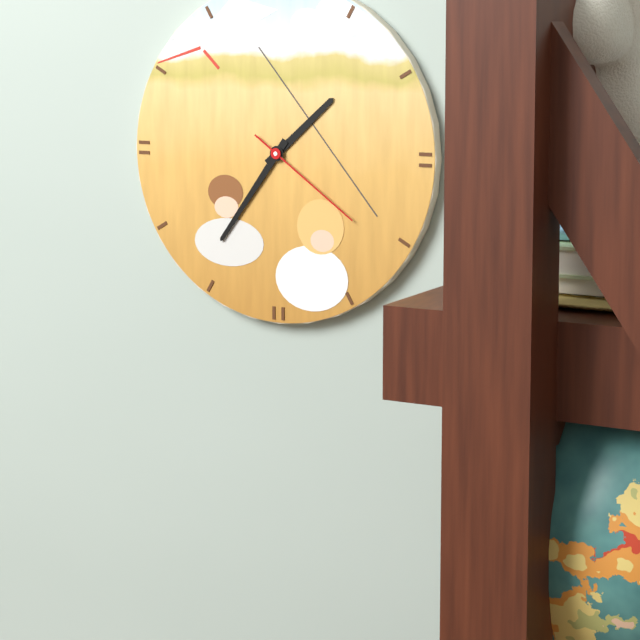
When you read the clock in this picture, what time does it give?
1:36:21
